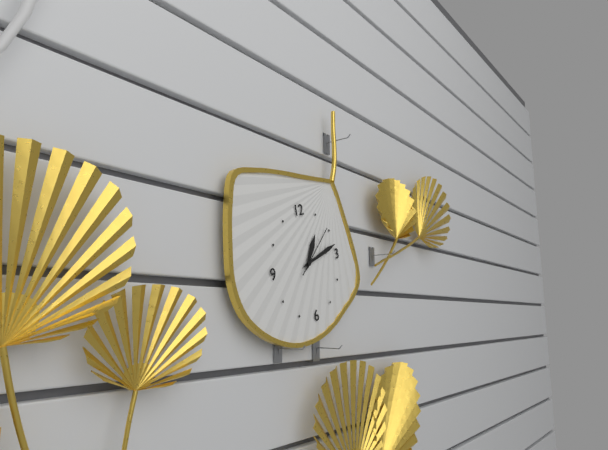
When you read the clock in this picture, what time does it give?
1:13
